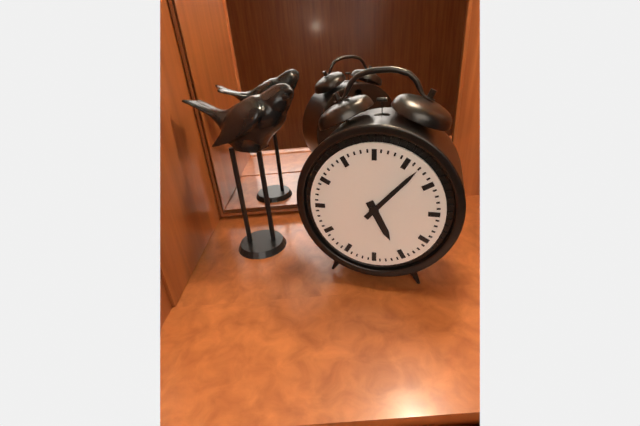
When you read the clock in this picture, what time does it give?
5:07
